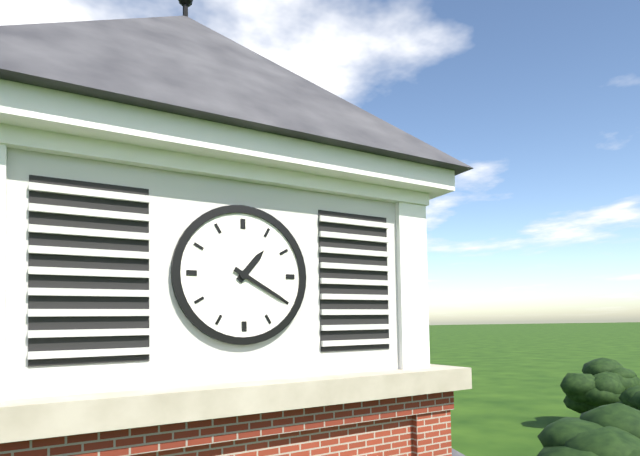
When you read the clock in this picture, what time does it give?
1:20
